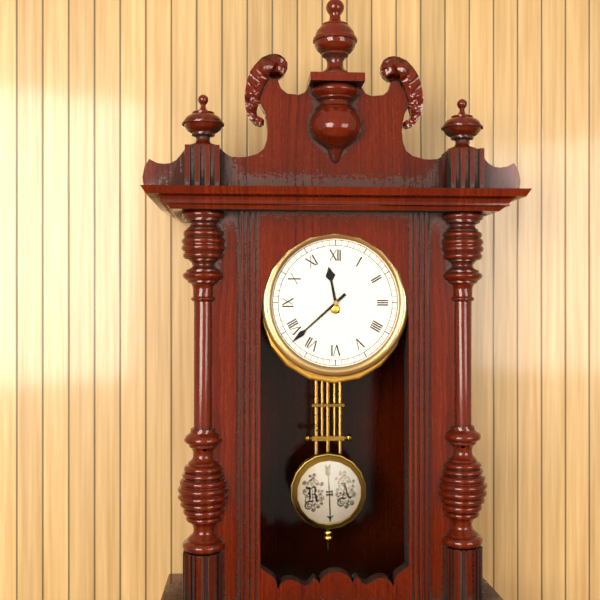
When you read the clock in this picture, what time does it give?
11:38
